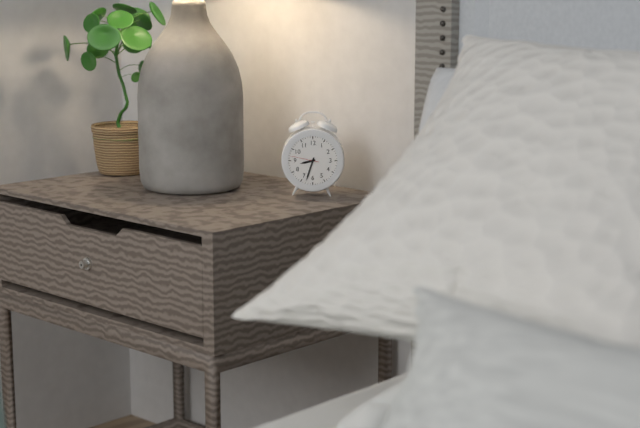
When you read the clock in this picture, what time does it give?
8:33
